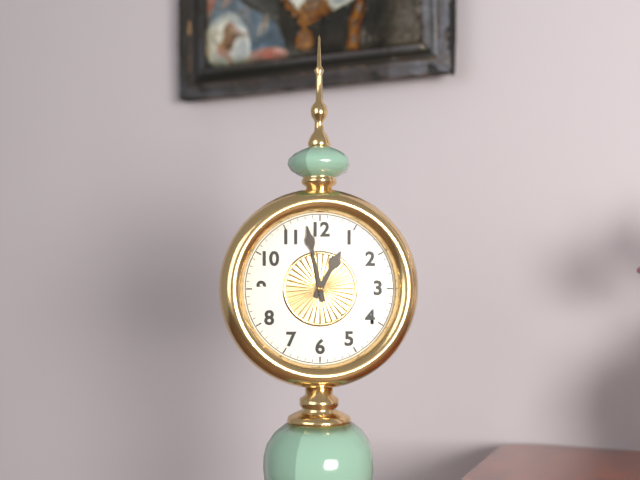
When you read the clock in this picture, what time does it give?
12:58
